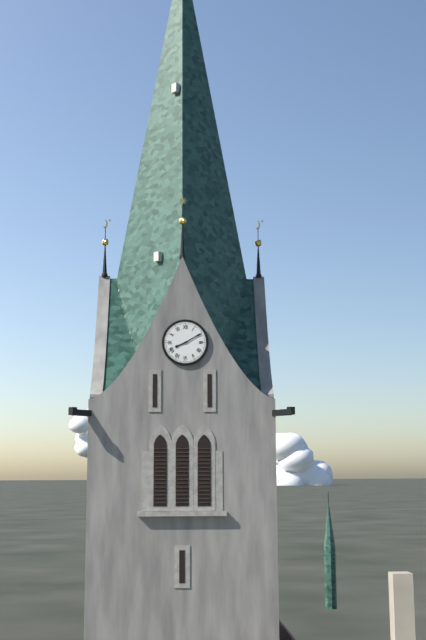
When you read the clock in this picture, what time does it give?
8:10
